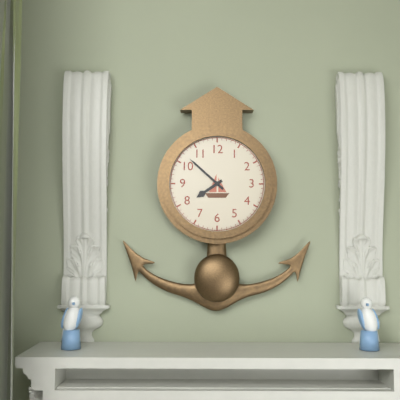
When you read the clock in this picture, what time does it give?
7:52
